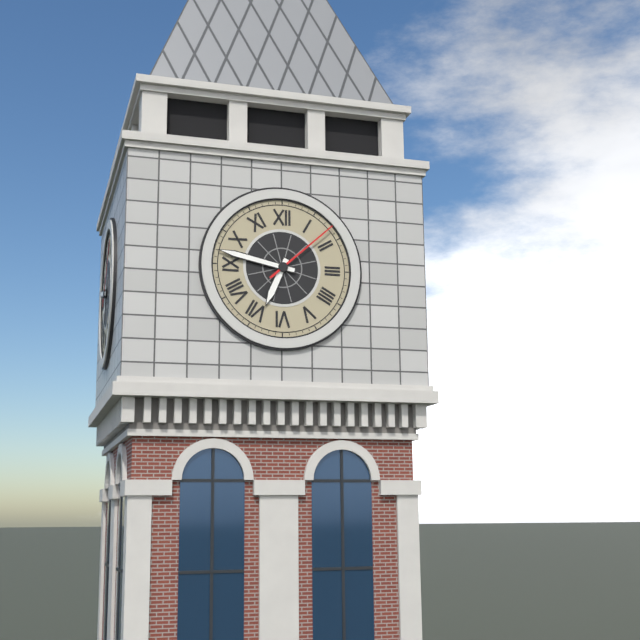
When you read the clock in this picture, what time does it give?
6:47:08
